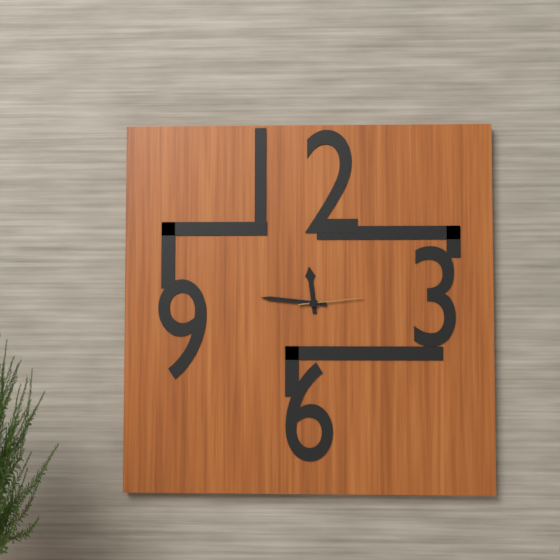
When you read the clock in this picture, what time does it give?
11:46:14
